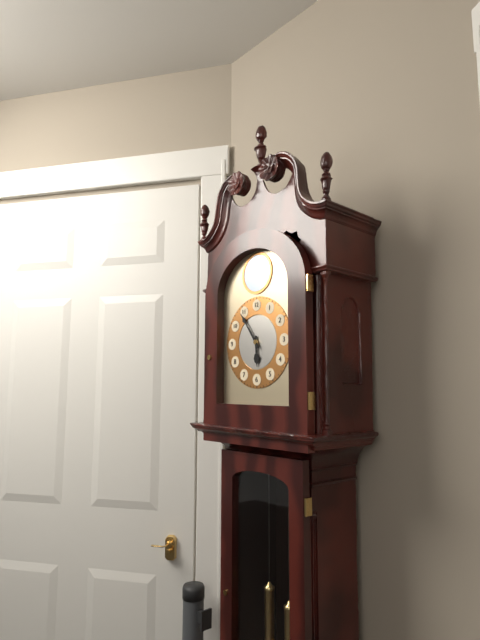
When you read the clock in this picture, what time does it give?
5:54
